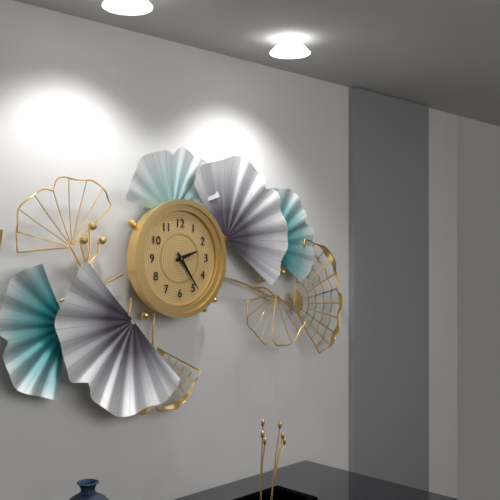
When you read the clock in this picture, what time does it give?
2:24
